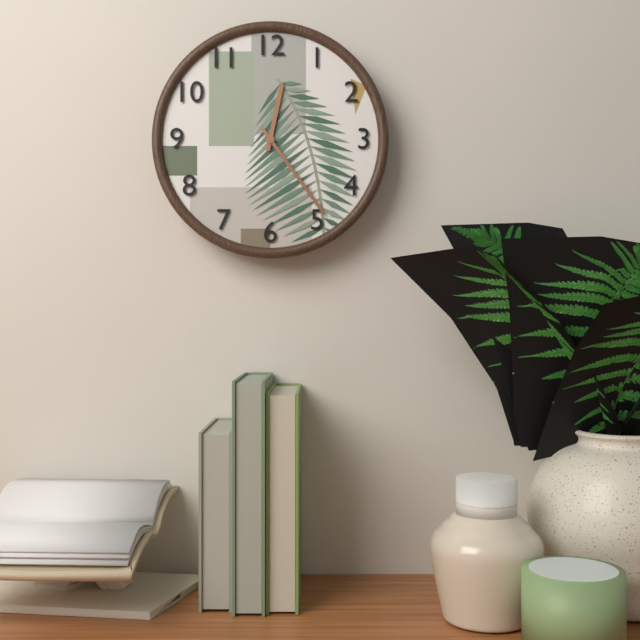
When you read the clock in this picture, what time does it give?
12:24
